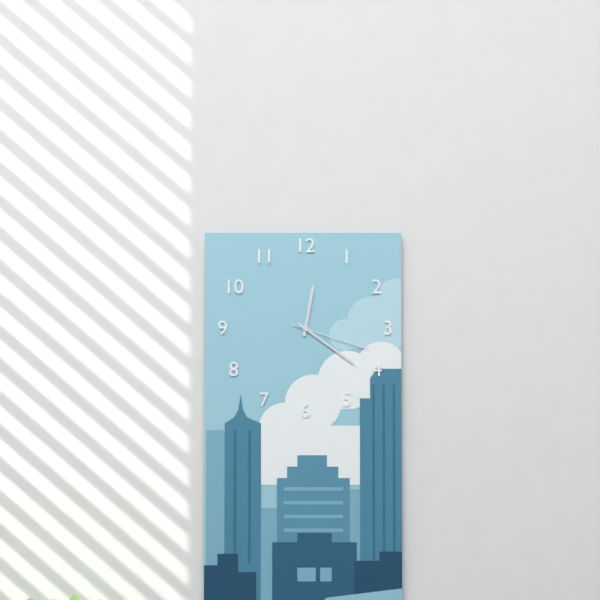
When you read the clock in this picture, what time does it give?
12:21:18
